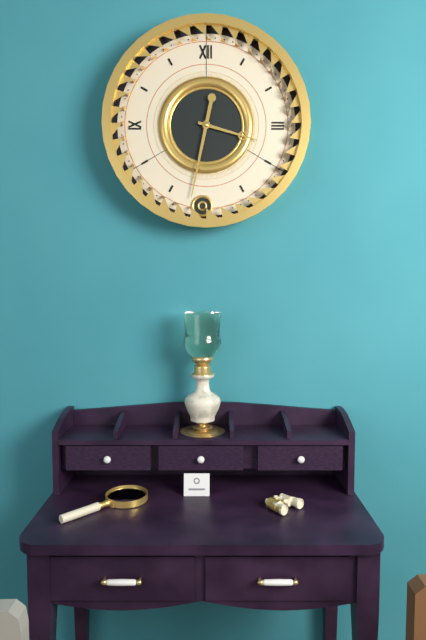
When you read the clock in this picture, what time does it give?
3:32
